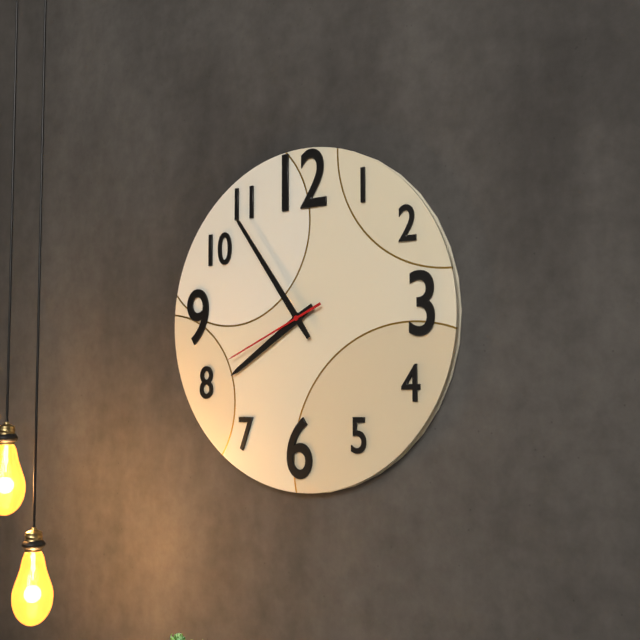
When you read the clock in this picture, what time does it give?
7:54:41
